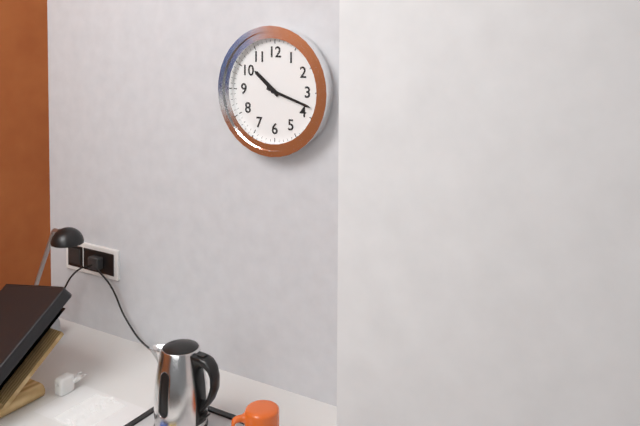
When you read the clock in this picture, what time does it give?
10:18
